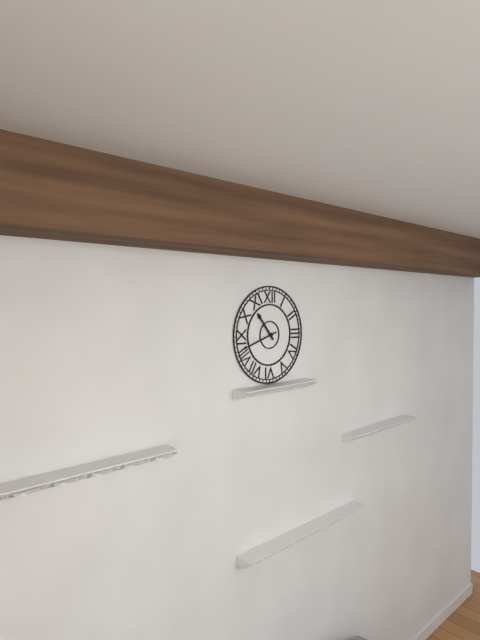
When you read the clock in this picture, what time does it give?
10:42
